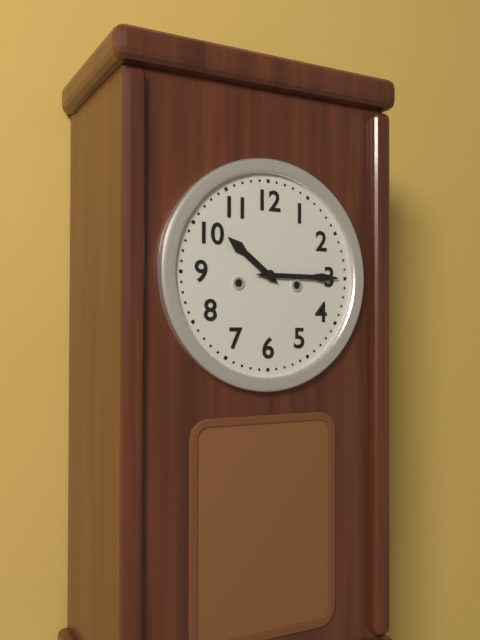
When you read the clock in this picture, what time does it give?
10:15
